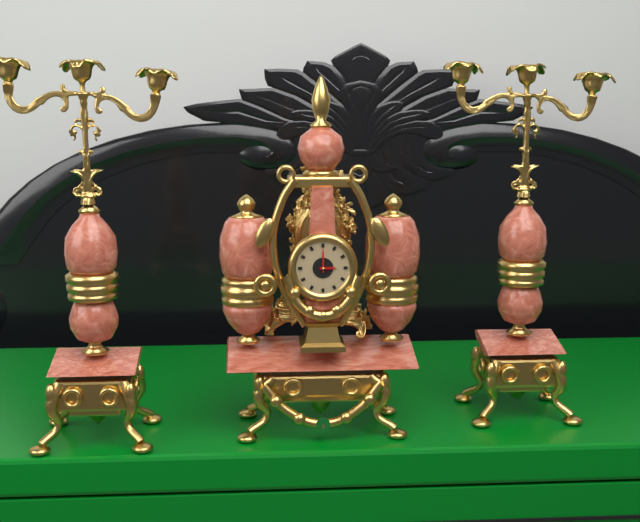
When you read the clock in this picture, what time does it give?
3:00
